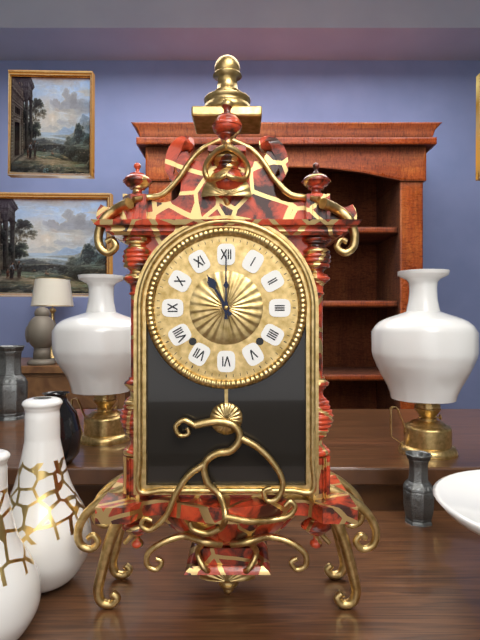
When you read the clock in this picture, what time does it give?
11:00
